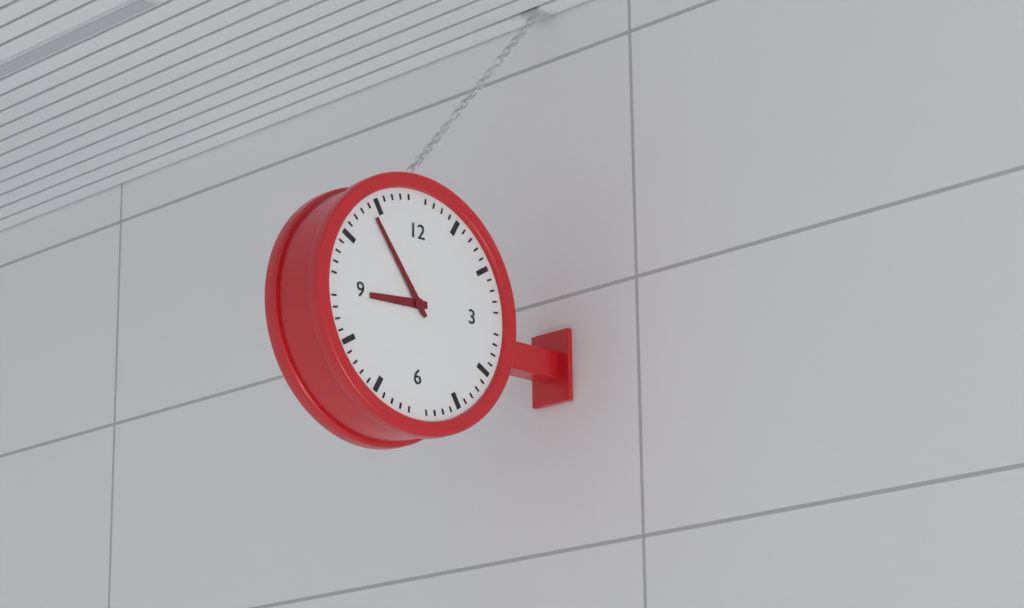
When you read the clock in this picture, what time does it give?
8:54
